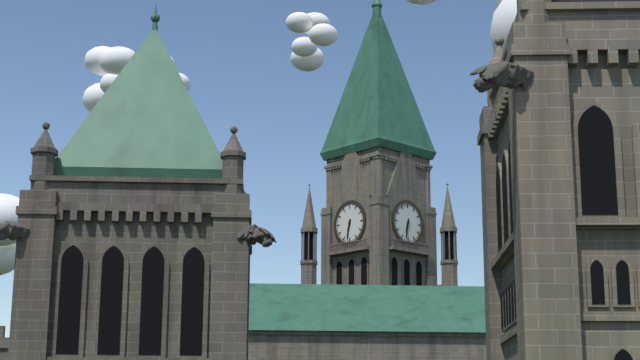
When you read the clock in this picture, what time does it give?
6:32
